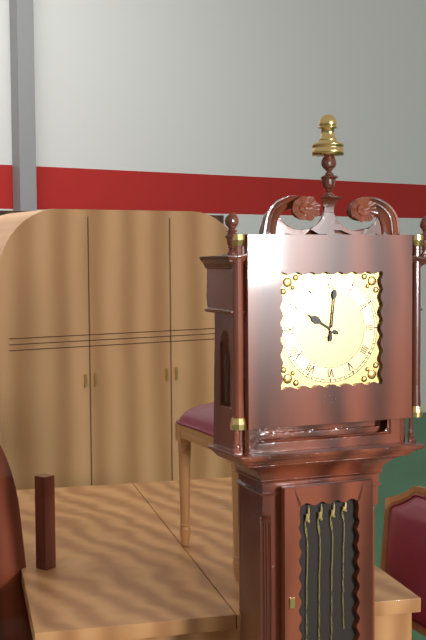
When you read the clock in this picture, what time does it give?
10:01
